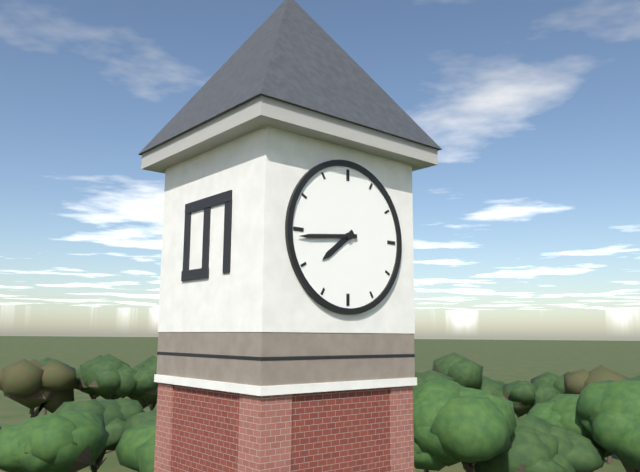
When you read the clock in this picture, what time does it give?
7:44
